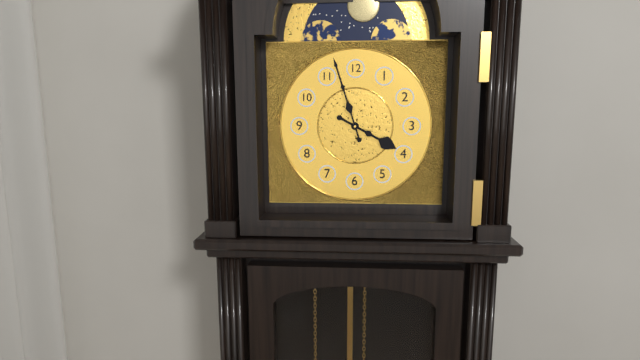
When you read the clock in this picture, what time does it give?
3:57
